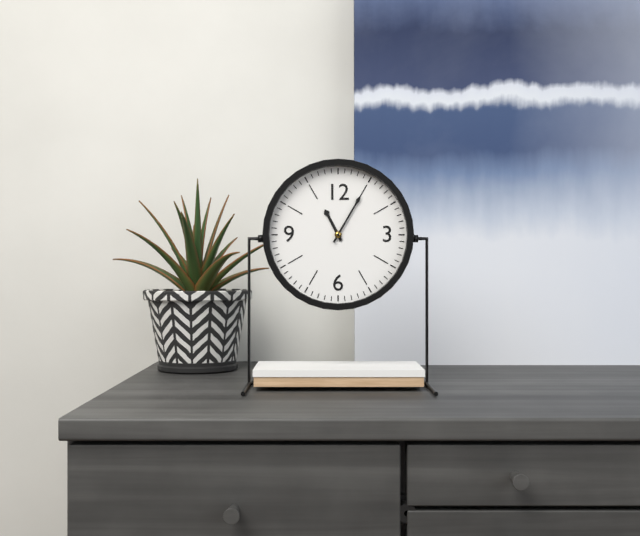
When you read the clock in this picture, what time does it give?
11:05
